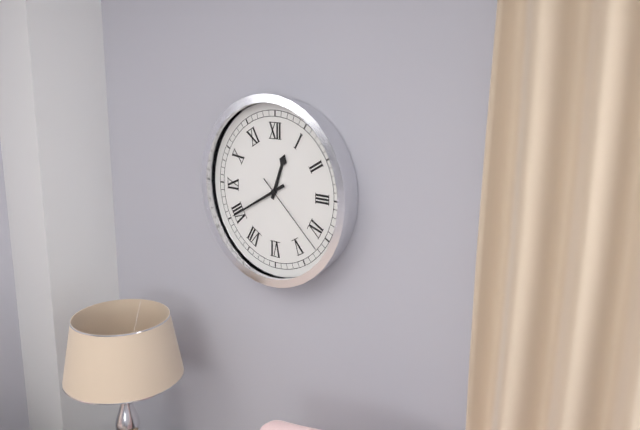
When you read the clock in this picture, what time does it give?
12:40:22
